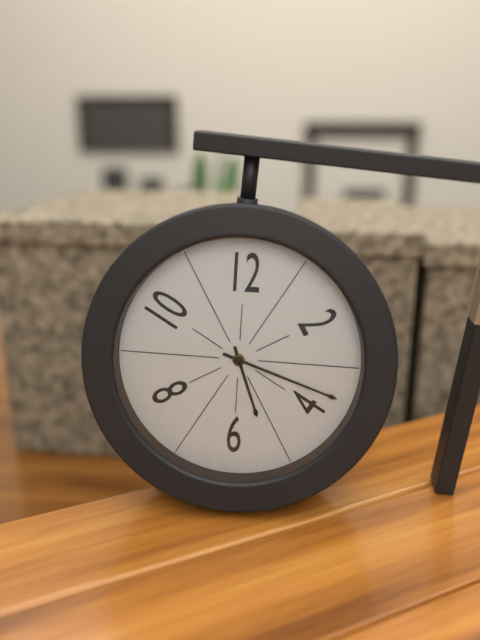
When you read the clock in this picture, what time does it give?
5:18
